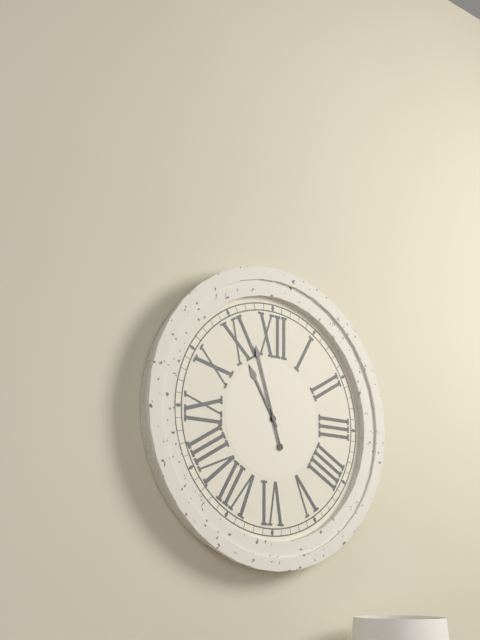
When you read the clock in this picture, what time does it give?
10:57
